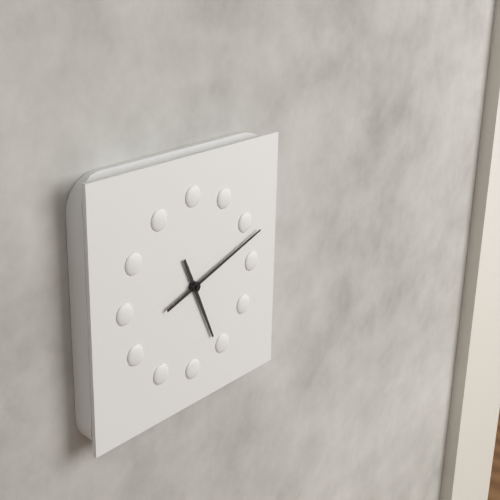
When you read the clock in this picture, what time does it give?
5:12
